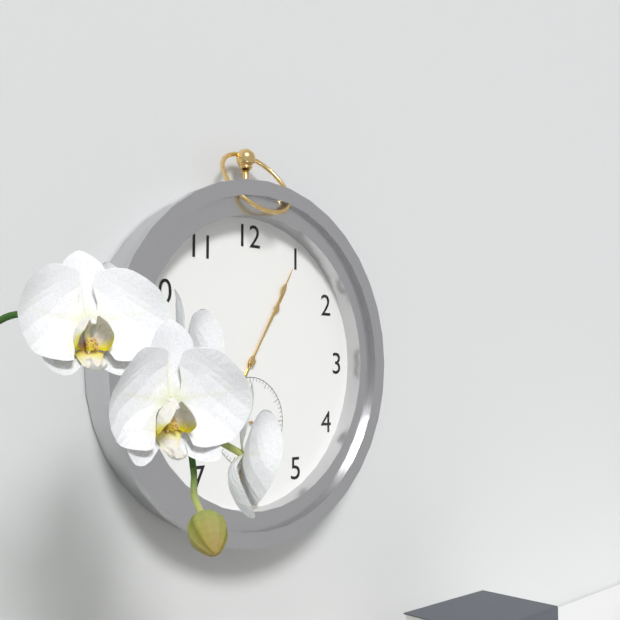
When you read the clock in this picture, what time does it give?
1:05
